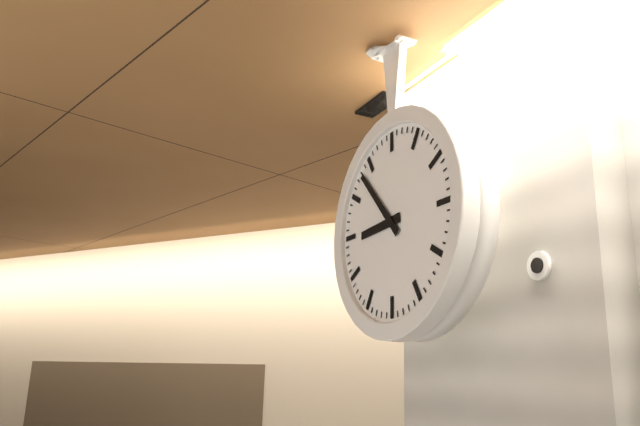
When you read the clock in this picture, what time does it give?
8:53
